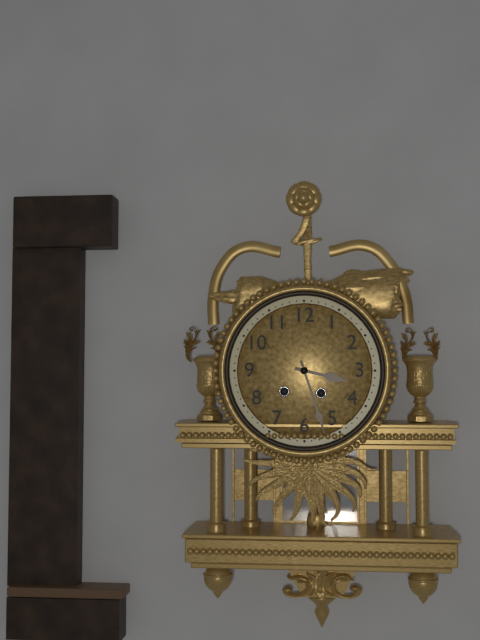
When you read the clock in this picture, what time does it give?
3:27
